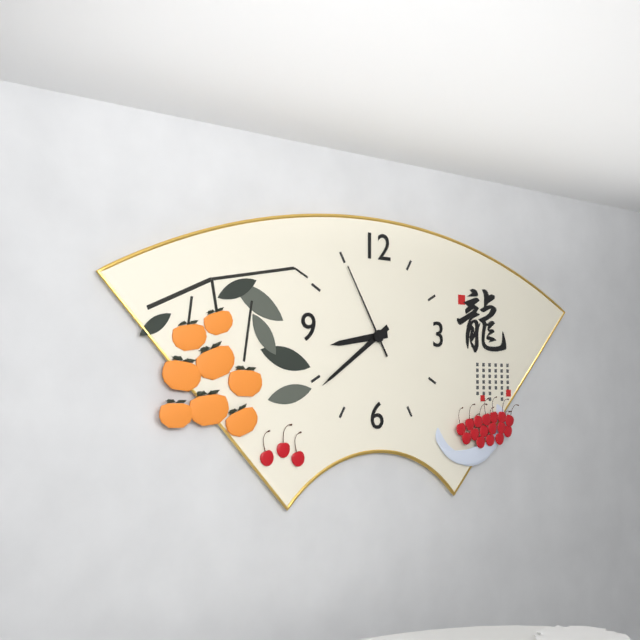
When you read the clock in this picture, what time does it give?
8:39:55
